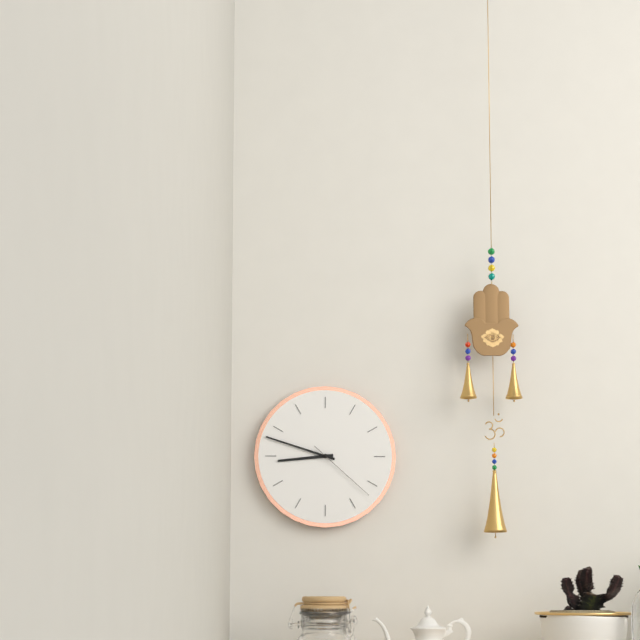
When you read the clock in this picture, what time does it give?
8:48:22
